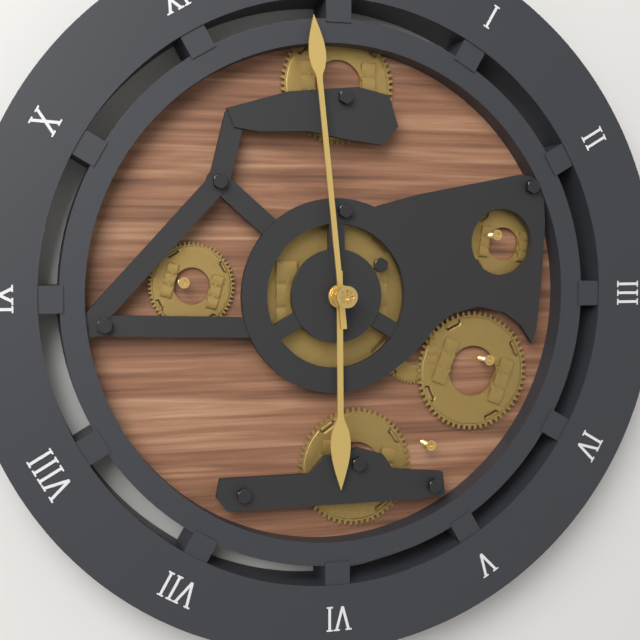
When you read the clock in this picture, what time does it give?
5:59
